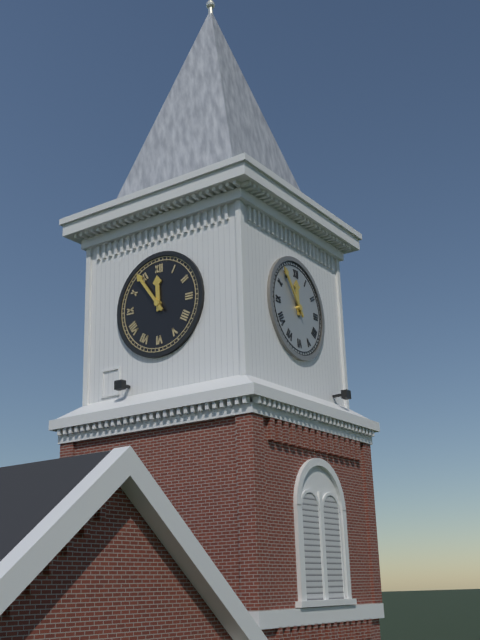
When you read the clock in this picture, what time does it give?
11:54
